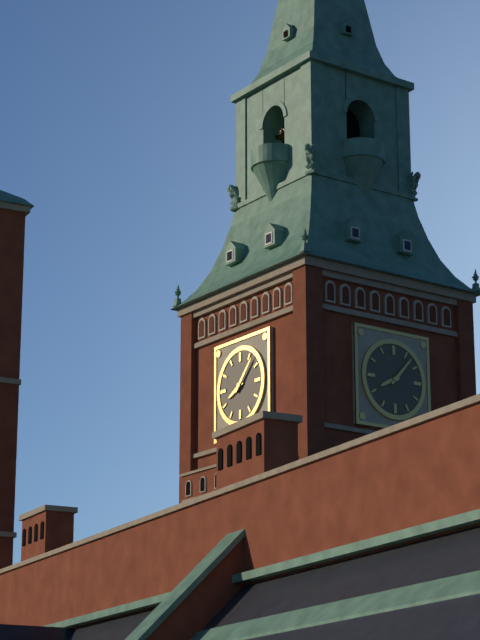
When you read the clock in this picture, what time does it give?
8:07
